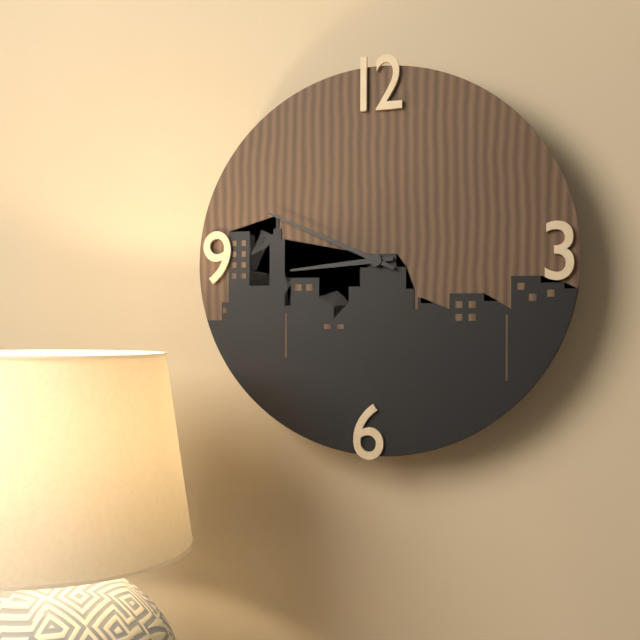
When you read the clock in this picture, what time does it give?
8:49
